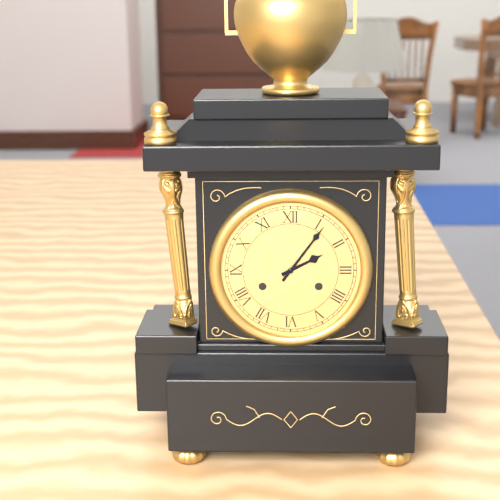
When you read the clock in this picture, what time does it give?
2:06
